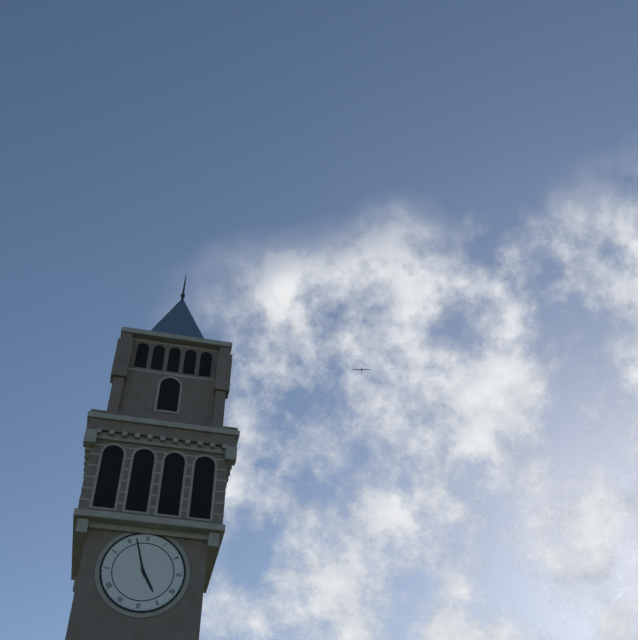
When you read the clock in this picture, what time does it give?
4:57
